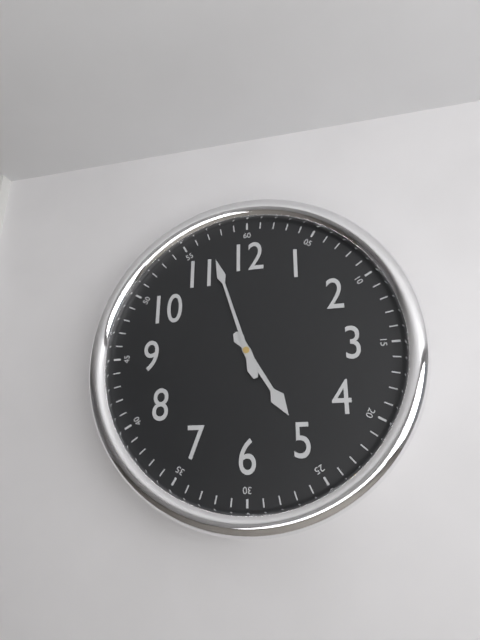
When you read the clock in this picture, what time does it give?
4:57
